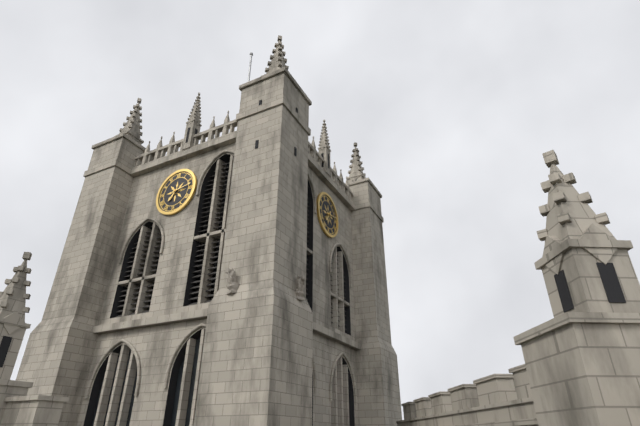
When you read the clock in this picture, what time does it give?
7:13
